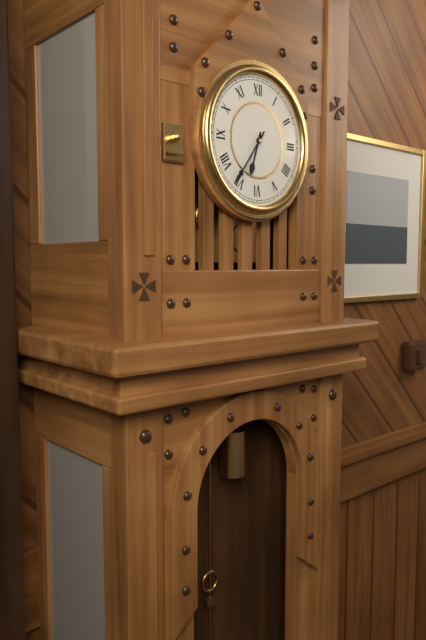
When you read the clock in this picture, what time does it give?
6:36
